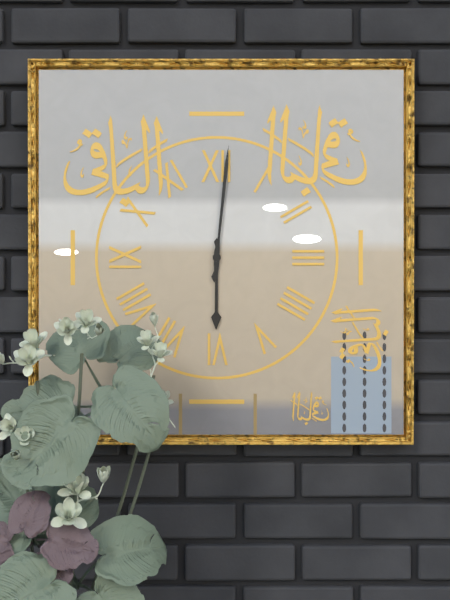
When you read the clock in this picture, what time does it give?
6:01
